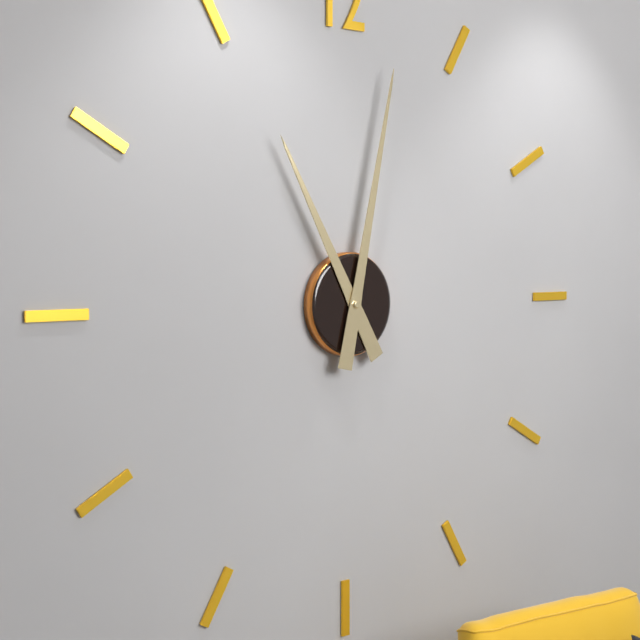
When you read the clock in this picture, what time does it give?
11:02
